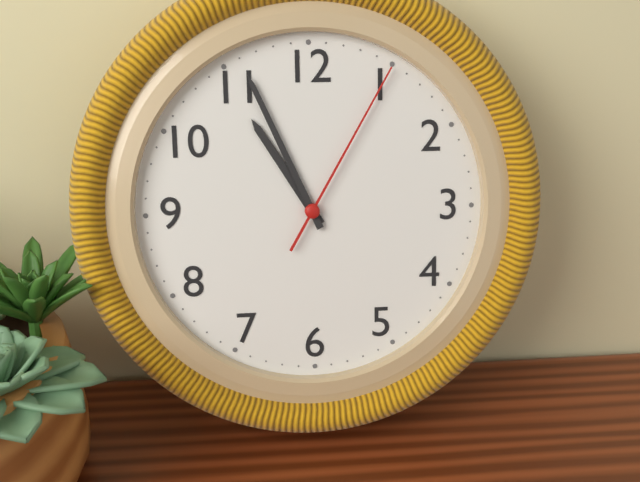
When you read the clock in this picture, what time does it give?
10:56:05
